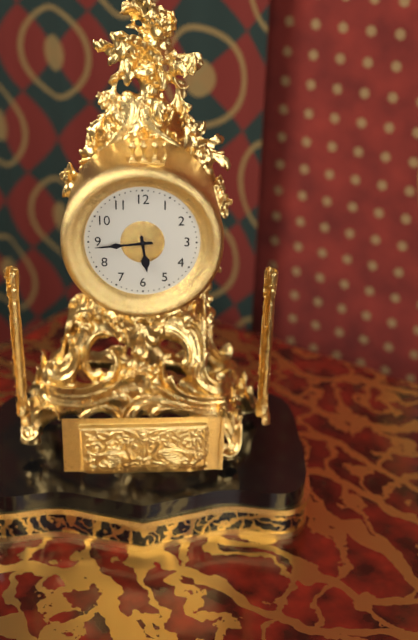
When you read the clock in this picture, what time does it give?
5:44
